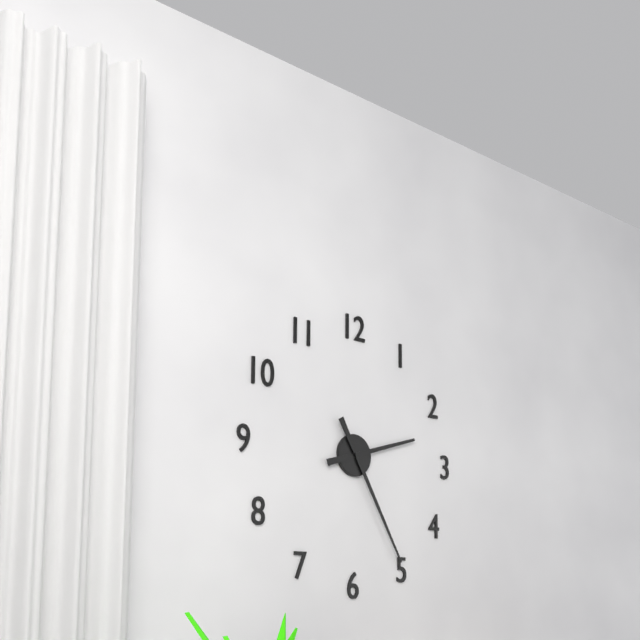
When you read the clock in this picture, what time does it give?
2:25
